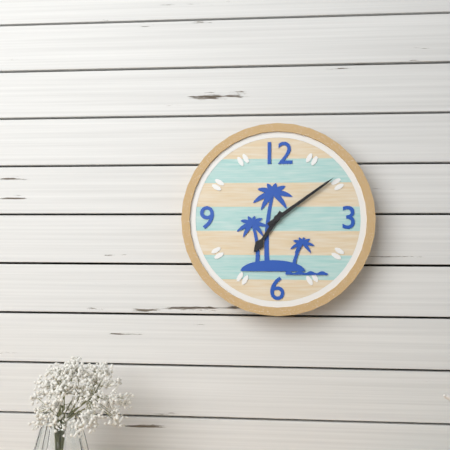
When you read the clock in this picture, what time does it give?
7:09
